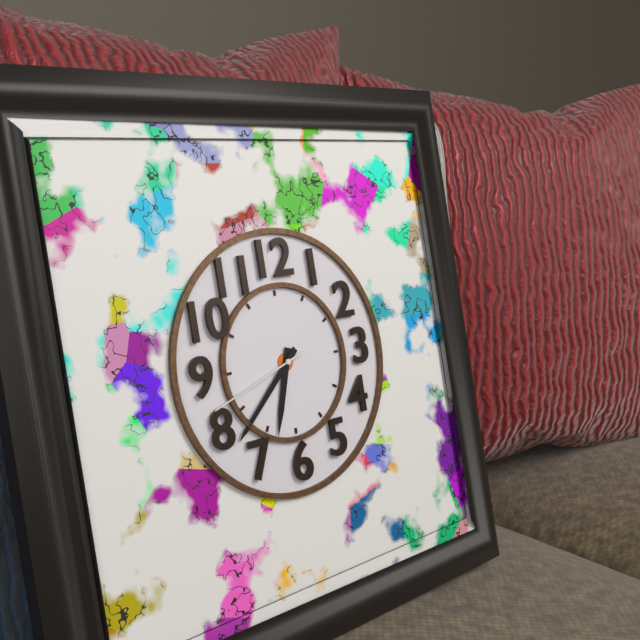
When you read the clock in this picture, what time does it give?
6:38:42
